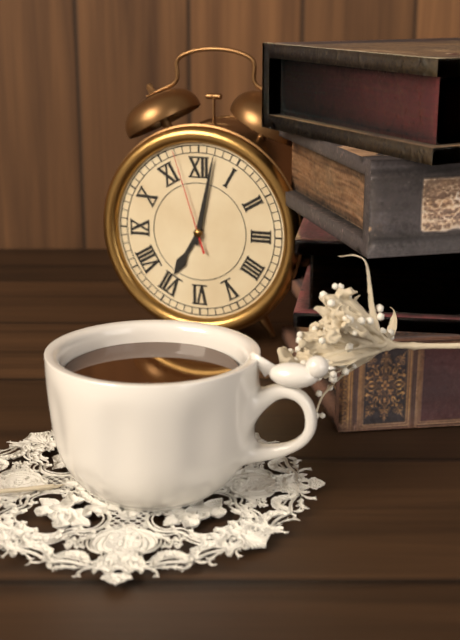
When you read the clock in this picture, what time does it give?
7:02:57
